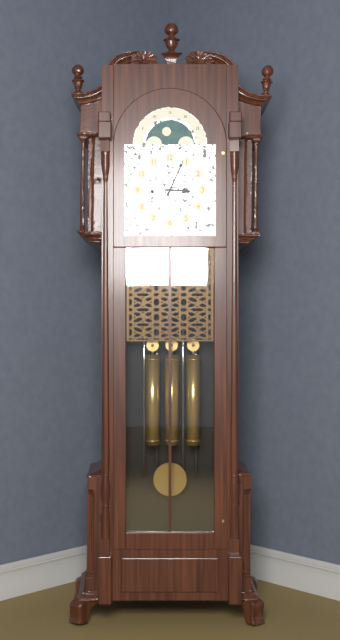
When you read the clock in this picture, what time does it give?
3:04
